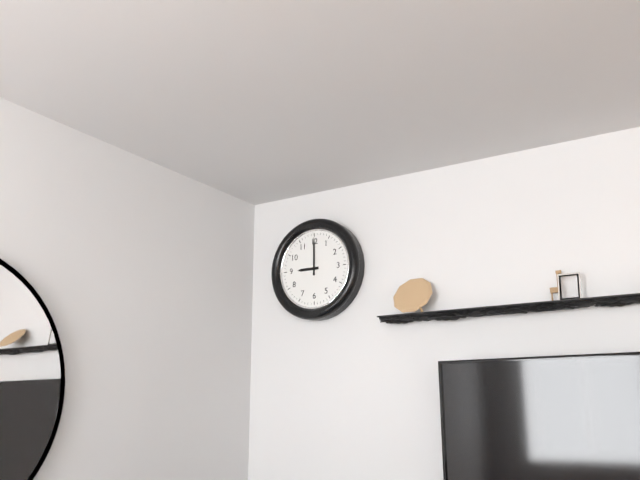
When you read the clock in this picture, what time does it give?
9:00
